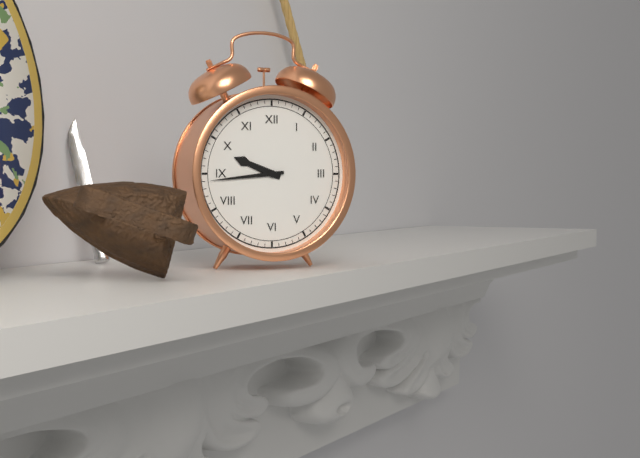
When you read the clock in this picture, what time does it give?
9:44
